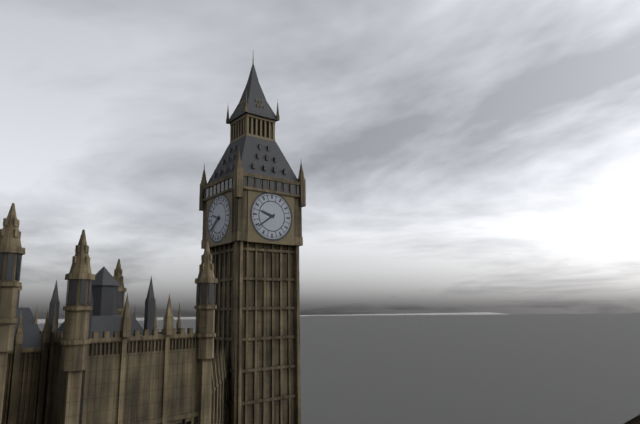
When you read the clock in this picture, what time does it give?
9:39
